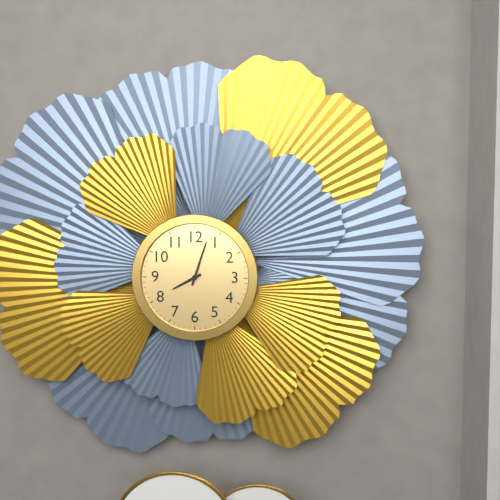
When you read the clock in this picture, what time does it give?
8:03
